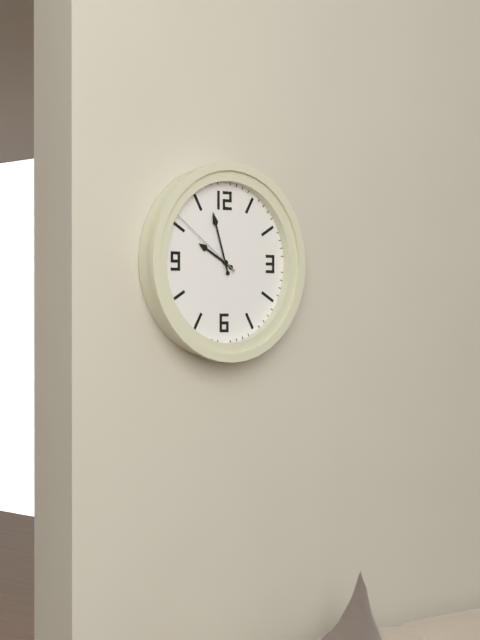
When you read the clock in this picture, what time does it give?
9:57:51
